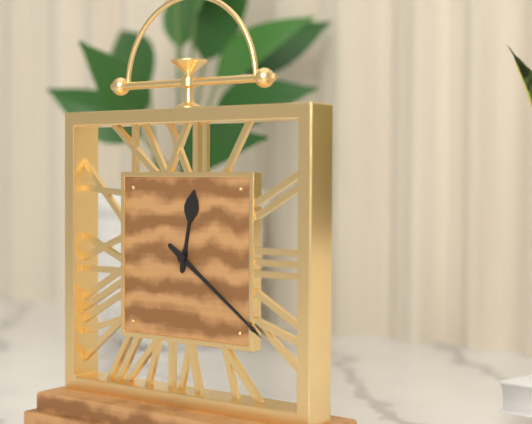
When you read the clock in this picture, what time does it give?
12:21
